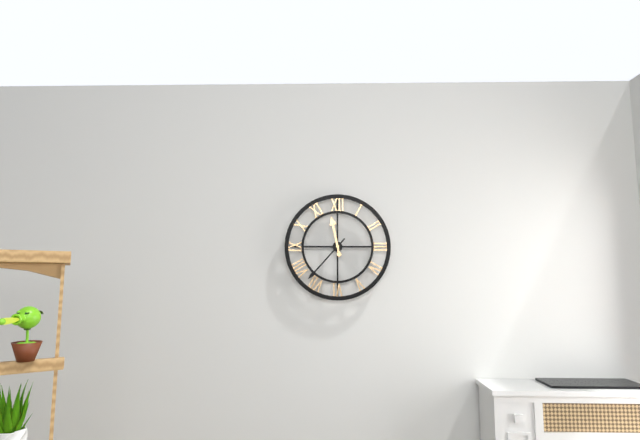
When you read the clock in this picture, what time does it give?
11:37
